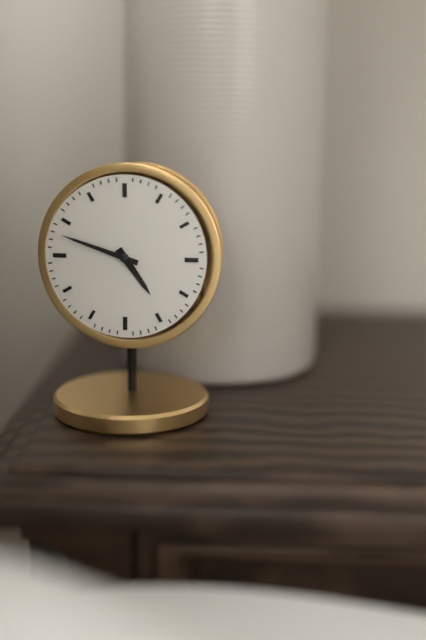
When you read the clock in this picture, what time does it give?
4:48
